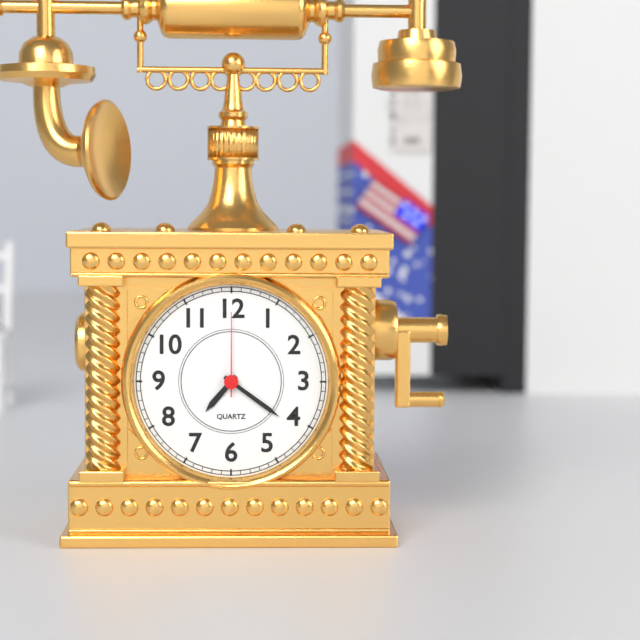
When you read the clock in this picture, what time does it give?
7:21:00
